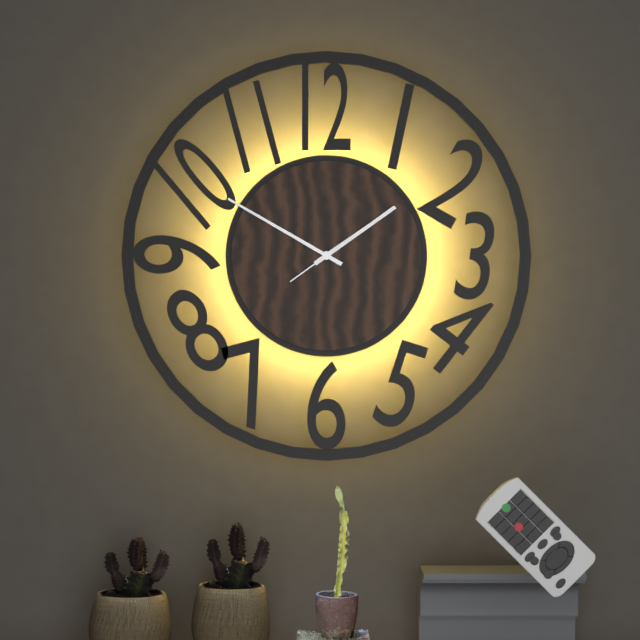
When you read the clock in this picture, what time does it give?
1:50:09
